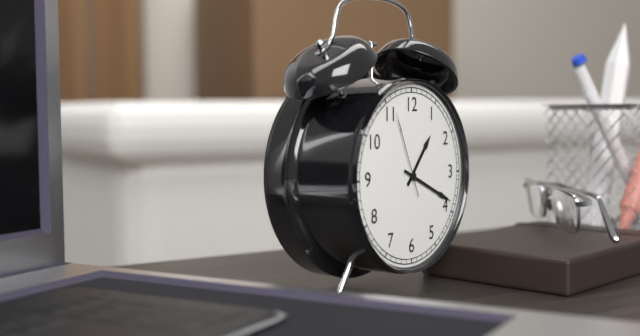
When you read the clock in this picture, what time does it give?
1:19:56
